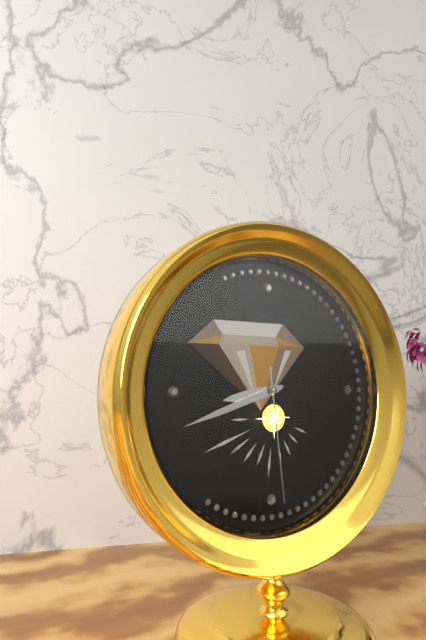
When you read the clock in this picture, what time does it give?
8:42:29
